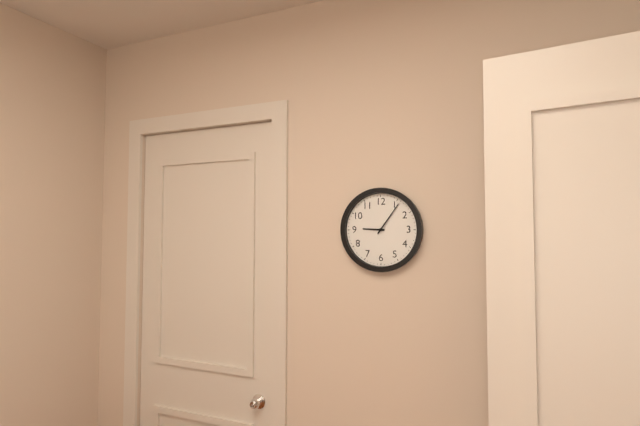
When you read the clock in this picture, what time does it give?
9:06
